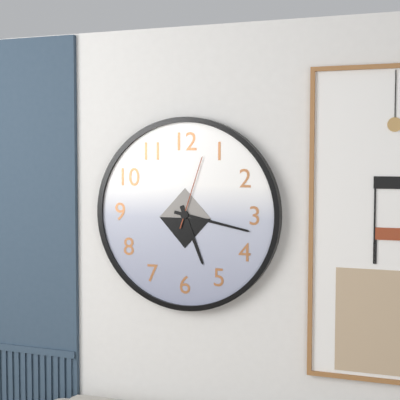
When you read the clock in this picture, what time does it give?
5:17:03
